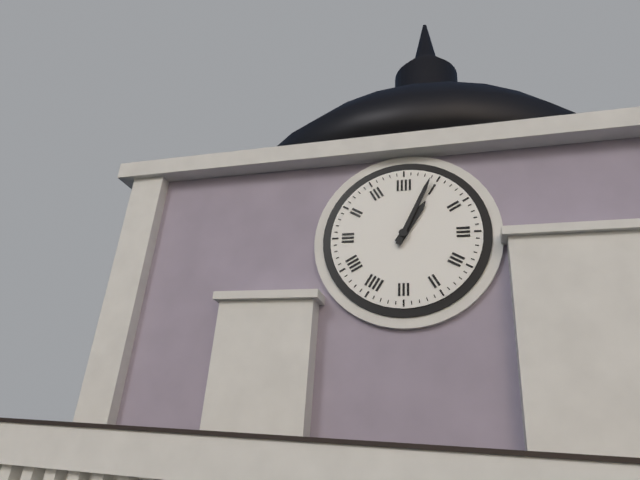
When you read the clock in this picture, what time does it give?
1:04
